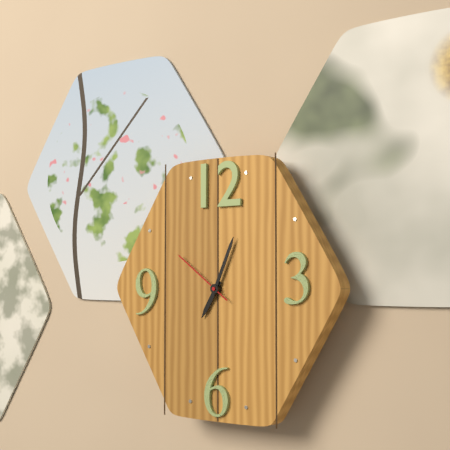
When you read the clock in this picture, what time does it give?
7:04:51
